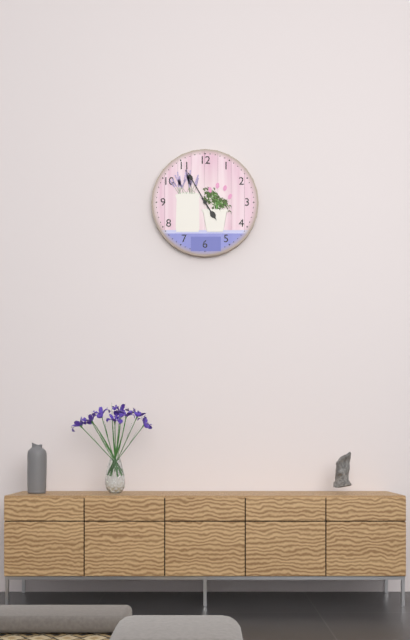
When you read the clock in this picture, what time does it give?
4:55
